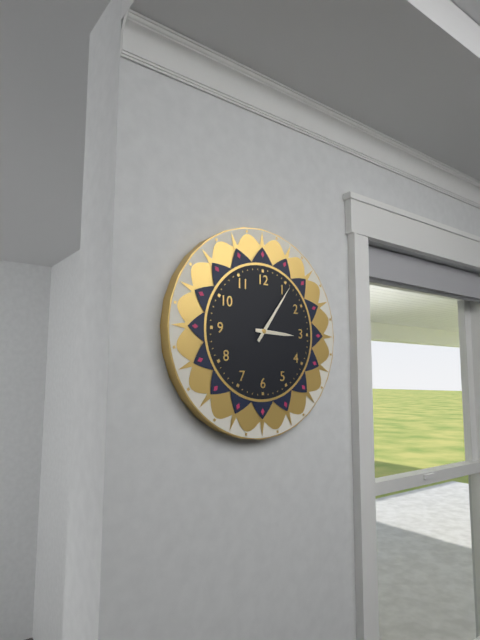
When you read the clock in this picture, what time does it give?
3:06
